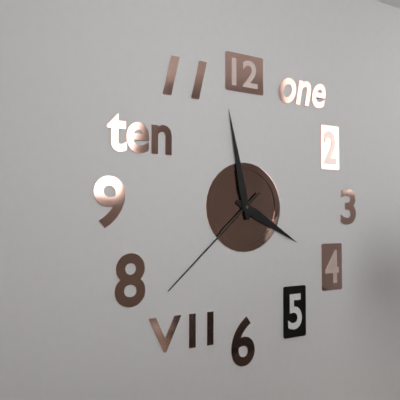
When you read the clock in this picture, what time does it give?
3:58:38
